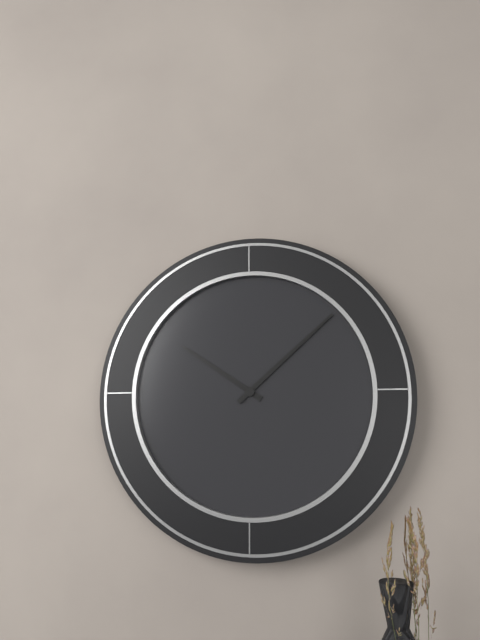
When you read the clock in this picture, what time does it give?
10:08
